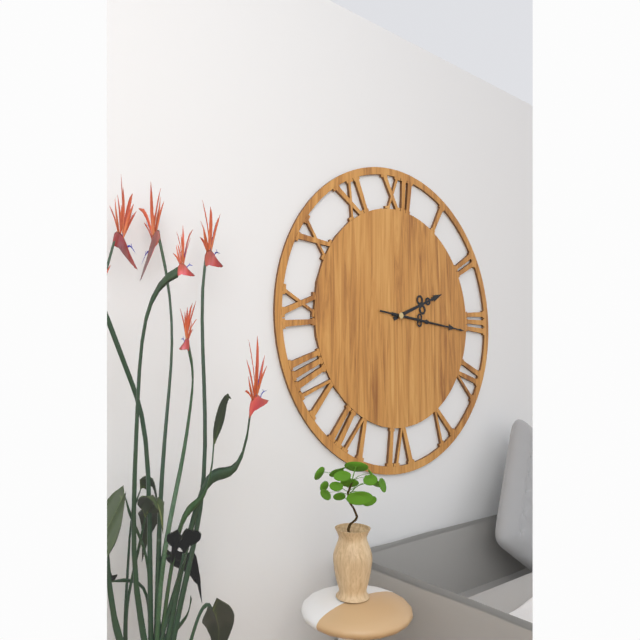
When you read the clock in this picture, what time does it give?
2:16:16
